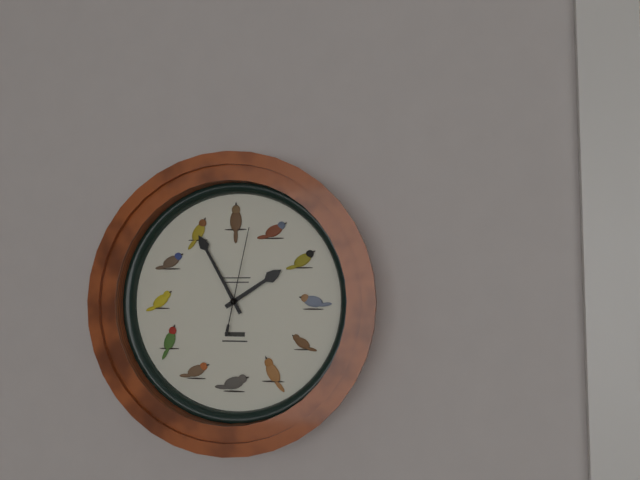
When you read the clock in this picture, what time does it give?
1:55:02
